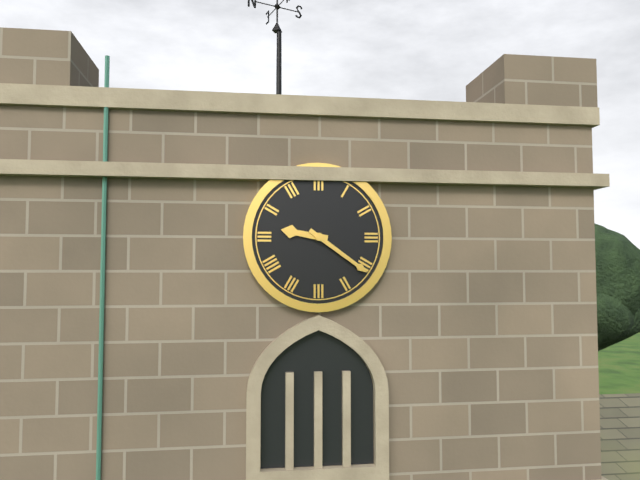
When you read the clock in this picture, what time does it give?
9:21
